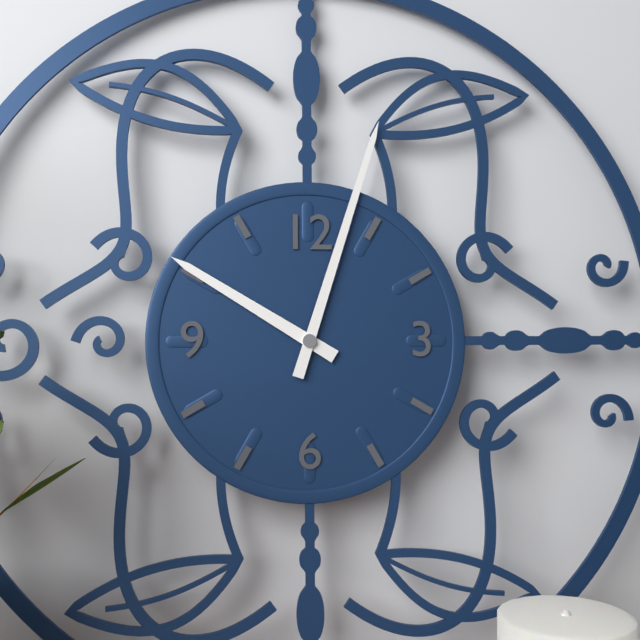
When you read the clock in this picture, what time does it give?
10:03
